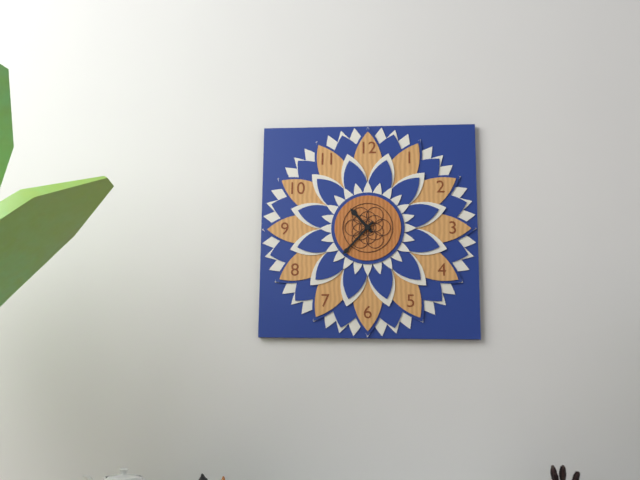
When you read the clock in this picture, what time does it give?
10:37
